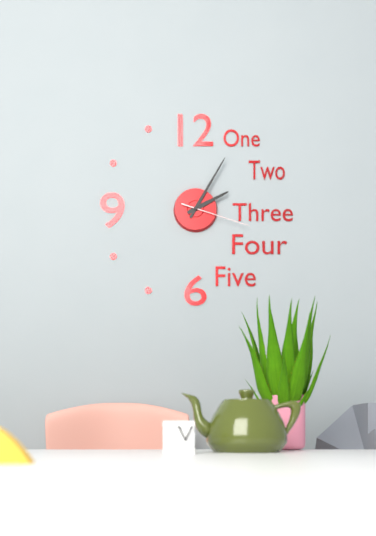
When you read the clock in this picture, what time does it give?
2:05:18
